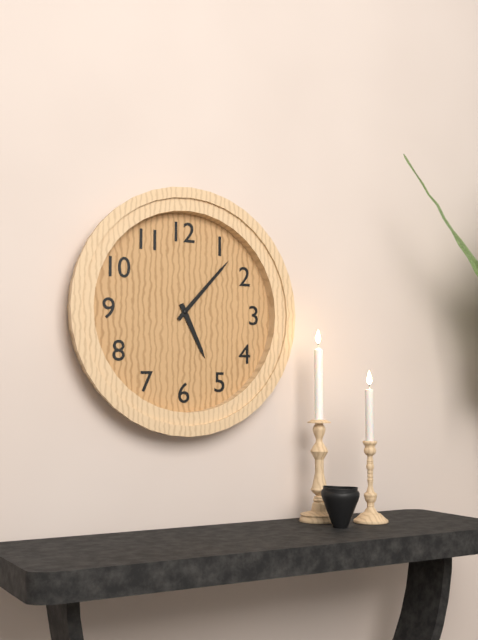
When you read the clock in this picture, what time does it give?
5:07
